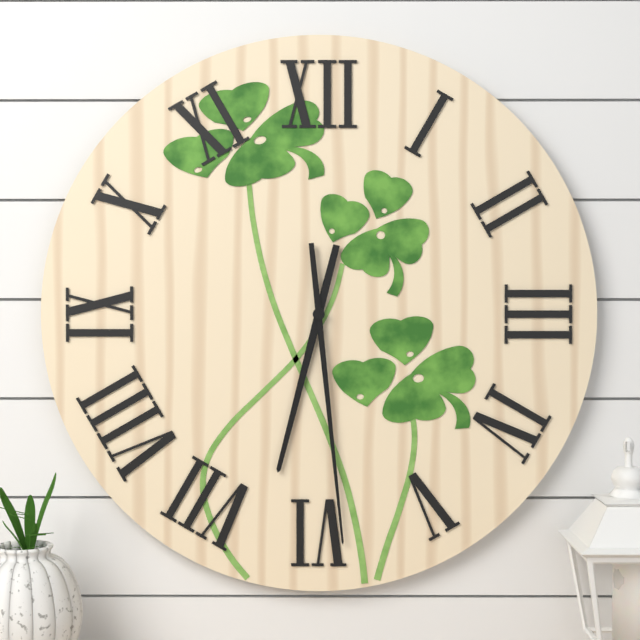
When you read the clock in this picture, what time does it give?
6:29
